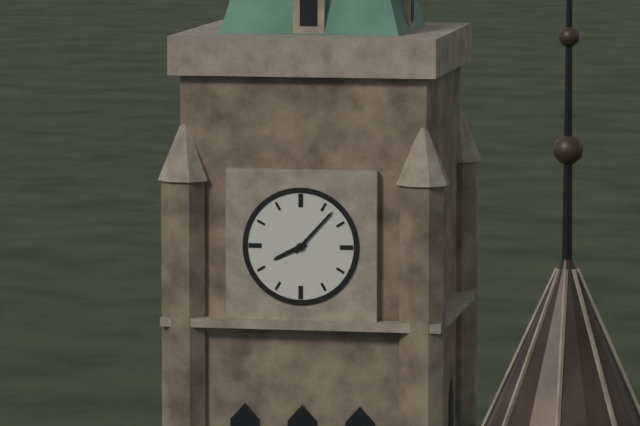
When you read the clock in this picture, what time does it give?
8:07
